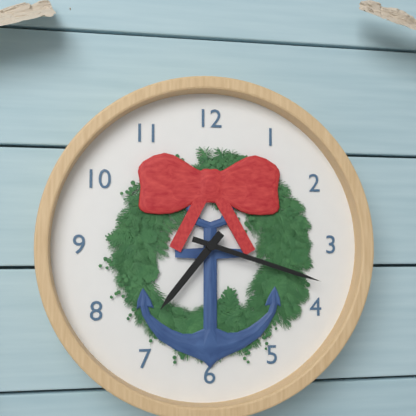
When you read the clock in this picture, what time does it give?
7:18
